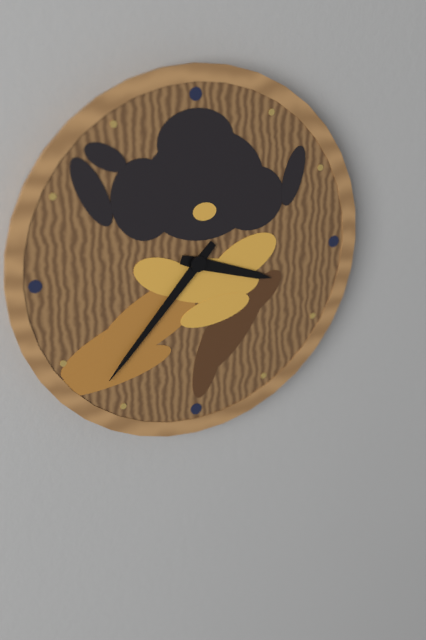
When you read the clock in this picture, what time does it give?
3:37
